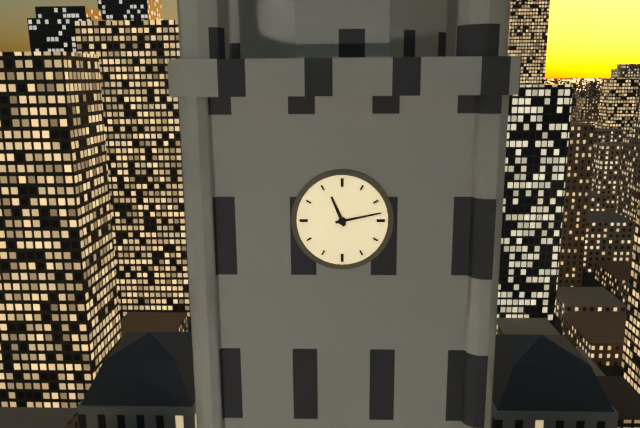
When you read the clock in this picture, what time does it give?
11:13
